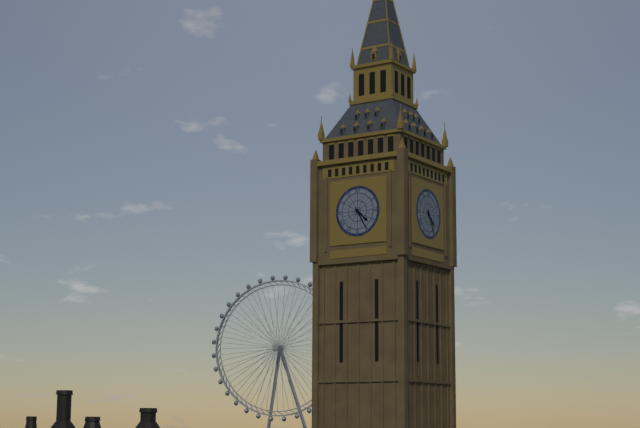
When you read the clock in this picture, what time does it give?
4:25
